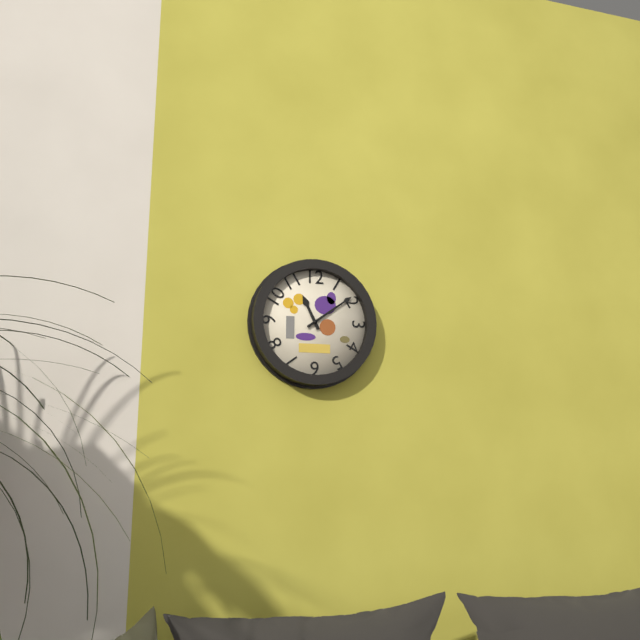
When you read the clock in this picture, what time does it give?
11:09
